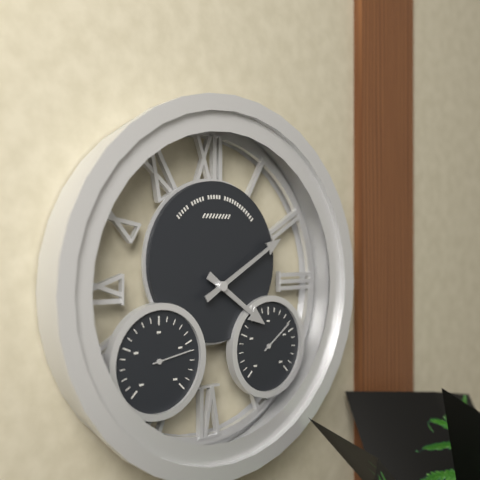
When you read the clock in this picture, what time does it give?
4:10
